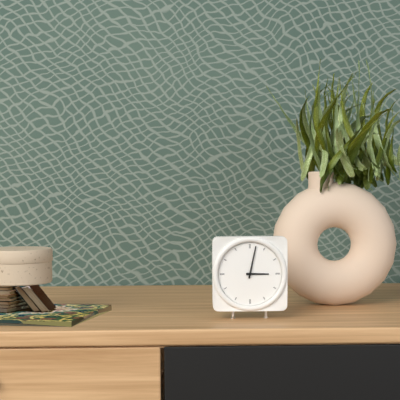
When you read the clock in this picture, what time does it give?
3:02
